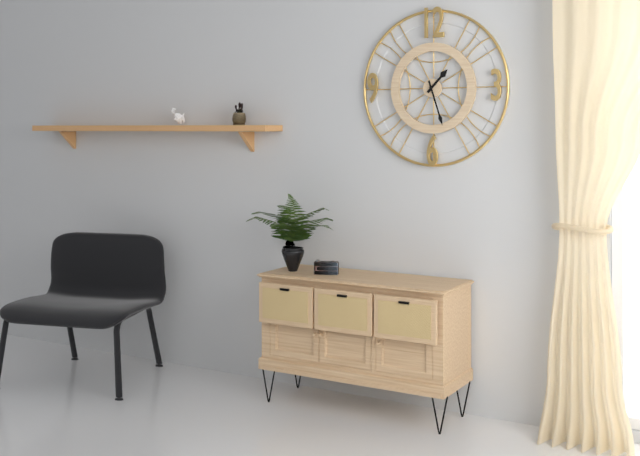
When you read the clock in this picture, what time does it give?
1:27
